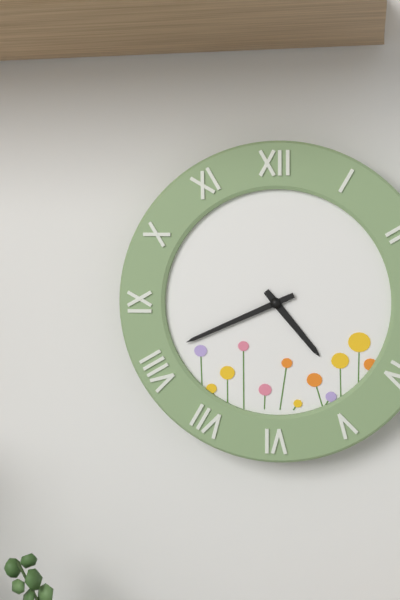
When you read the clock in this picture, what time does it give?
4:41
